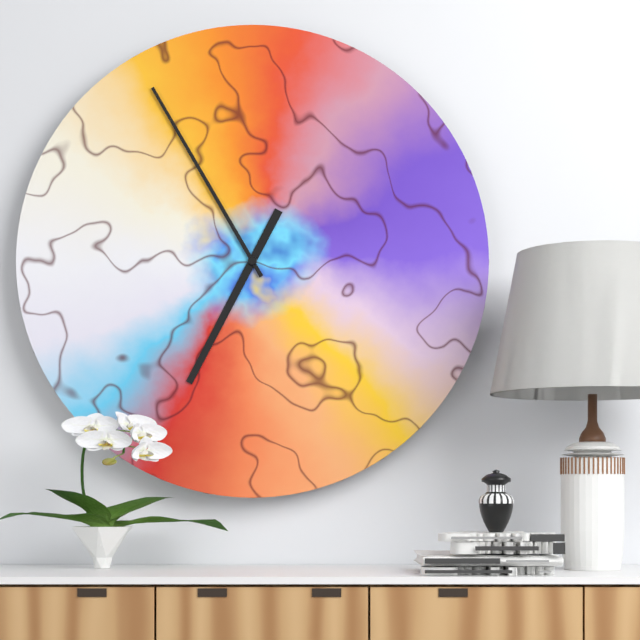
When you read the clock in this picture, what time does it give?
6:55
